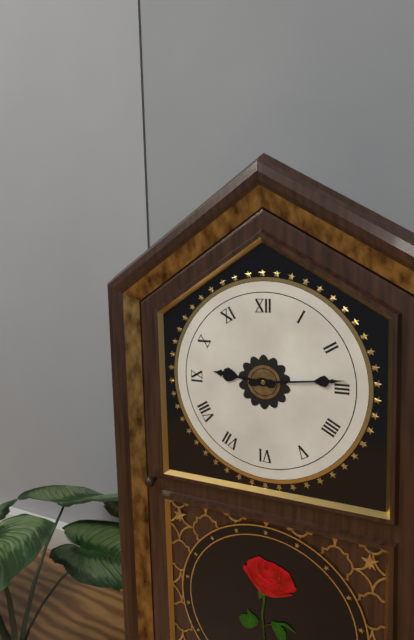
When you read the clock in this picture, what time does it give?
9:14
